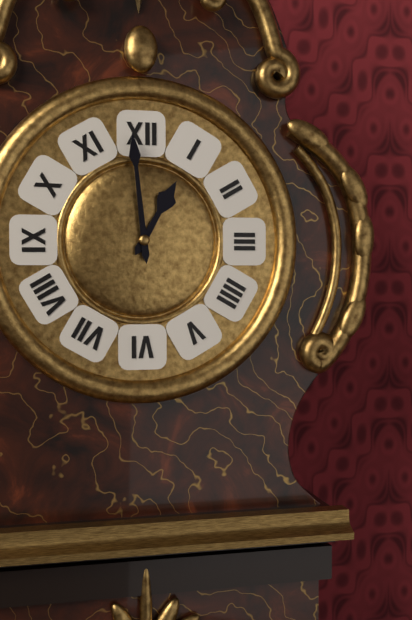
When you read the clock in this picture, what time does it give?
12:59
